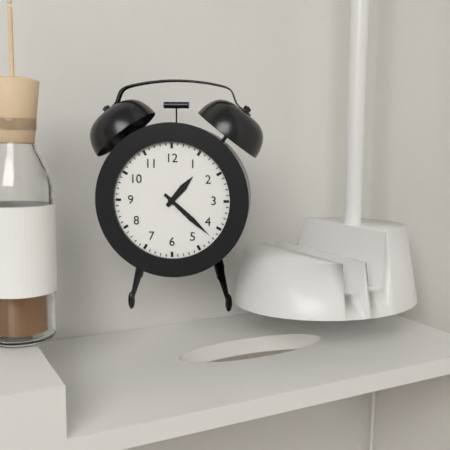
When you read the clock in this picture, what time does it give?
1:22
